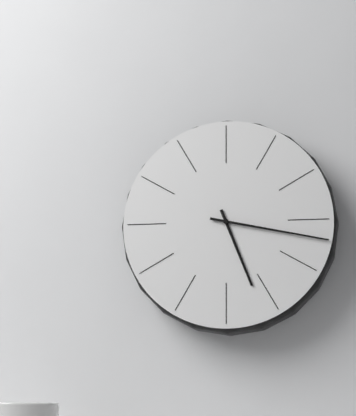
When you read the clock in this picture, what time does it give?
5:17
